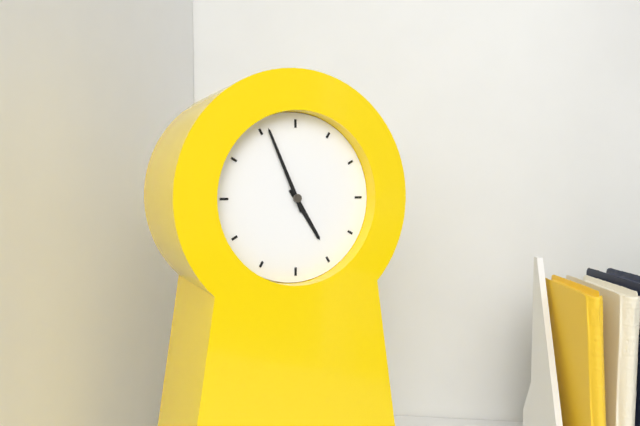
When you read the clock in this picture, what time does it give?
4:56
